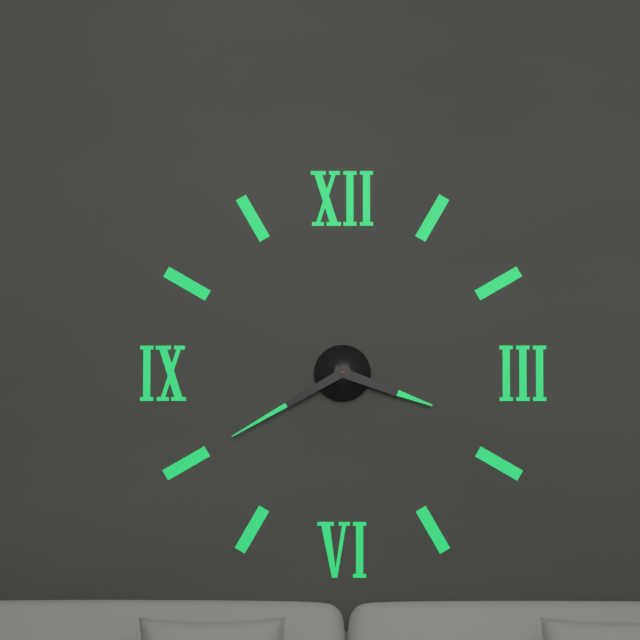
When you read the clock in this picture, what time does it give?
3:40
